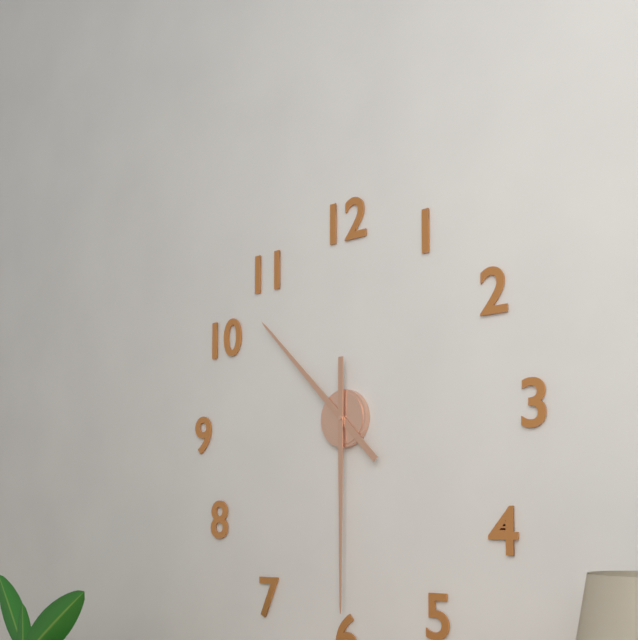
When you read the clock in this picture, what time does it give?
10:30
